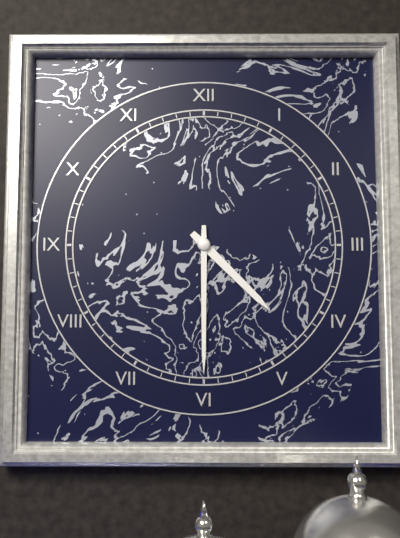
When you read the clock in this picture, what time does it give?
4:30
